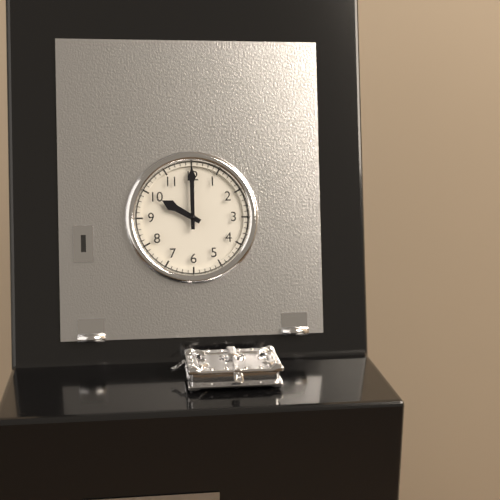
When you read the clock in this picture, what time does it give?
10:00
